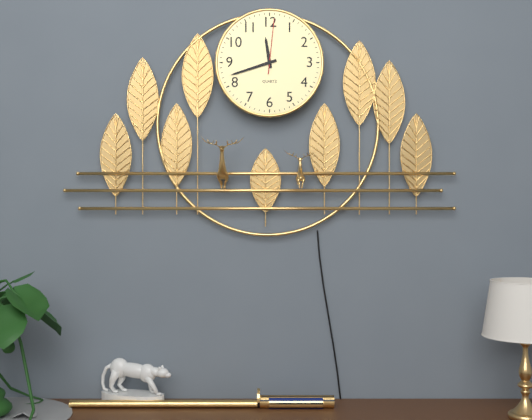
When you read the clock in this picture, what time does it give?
11:42:01
